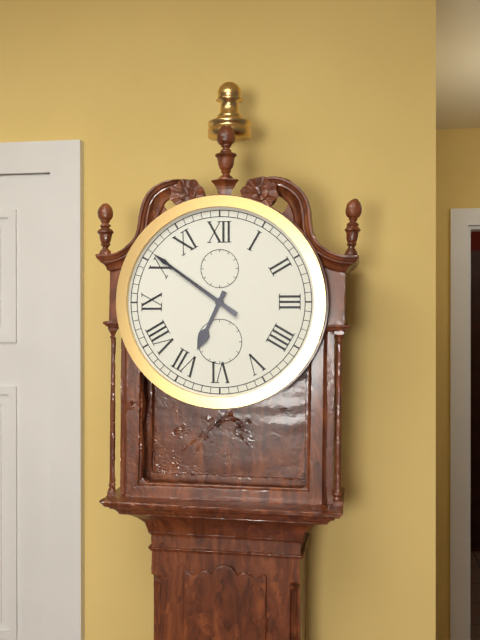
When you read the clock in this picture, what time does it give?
6:51
